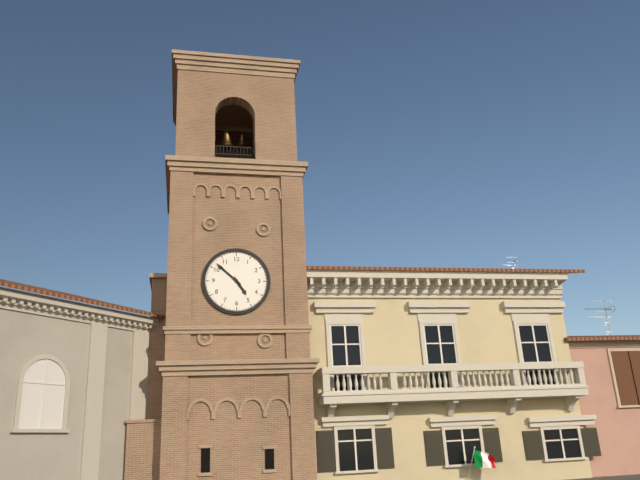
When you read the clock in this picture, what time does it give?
4:52
